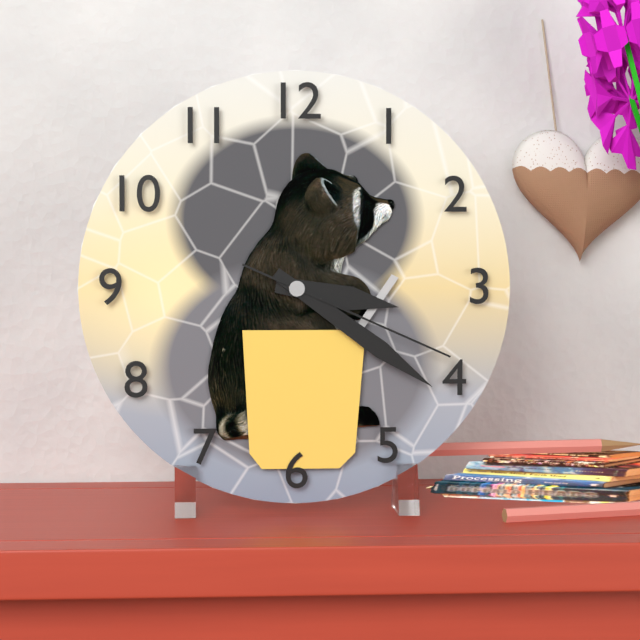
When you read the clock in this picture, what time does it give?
3:21:19
